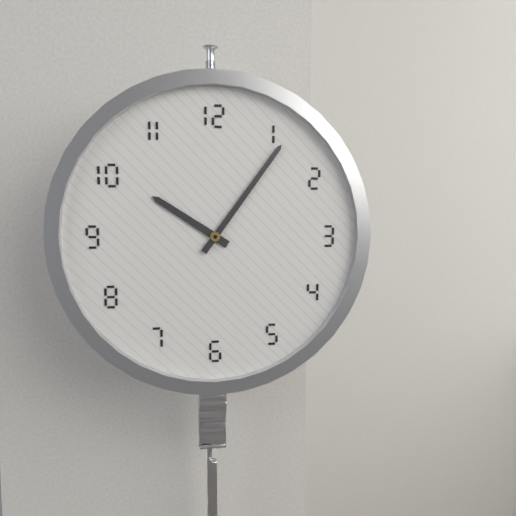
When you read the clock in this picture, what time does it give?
10:06
